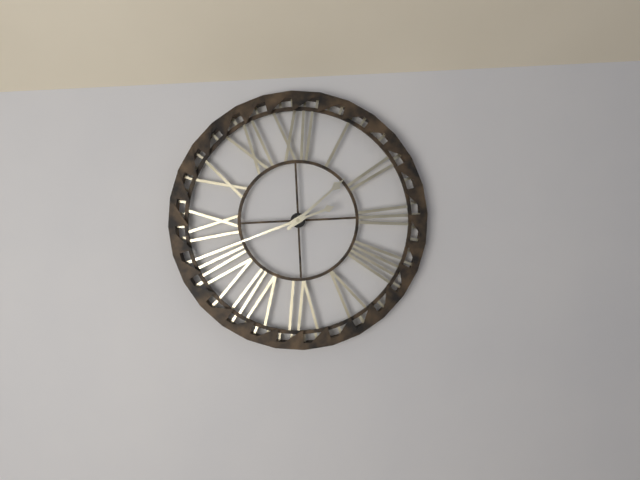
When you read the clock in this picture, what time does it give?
1:42
